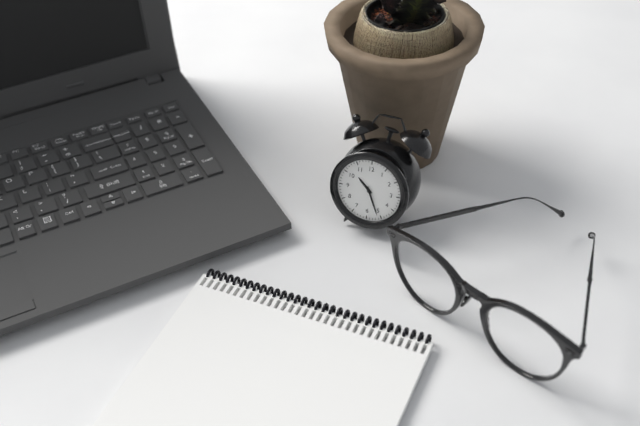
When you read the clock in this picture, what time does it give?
10:26
